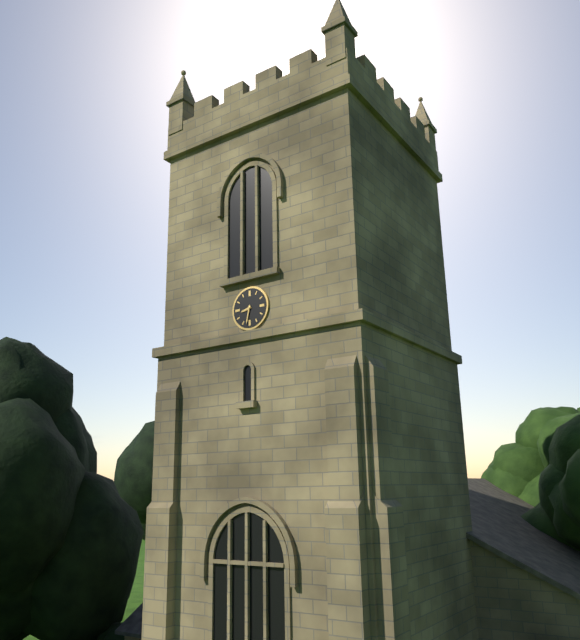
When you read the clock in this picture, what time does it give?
8:32
